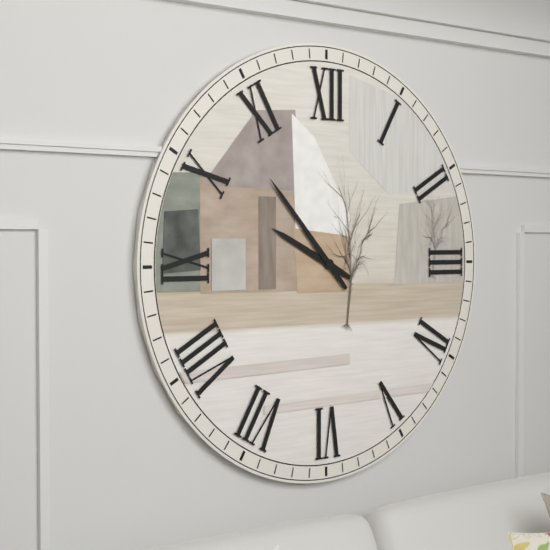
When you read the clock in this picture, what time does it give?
9:53
